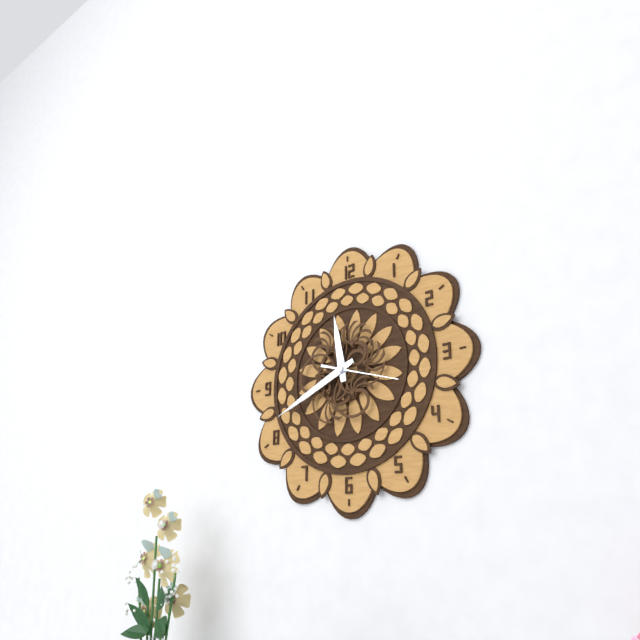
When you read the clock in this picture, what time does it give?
11:41:18
